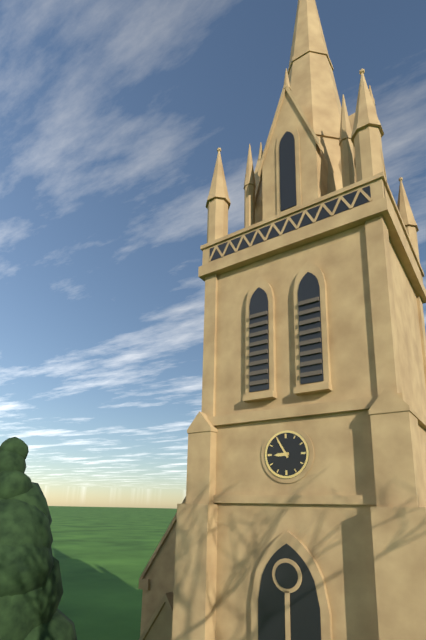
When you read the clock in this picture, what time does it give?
8:55
